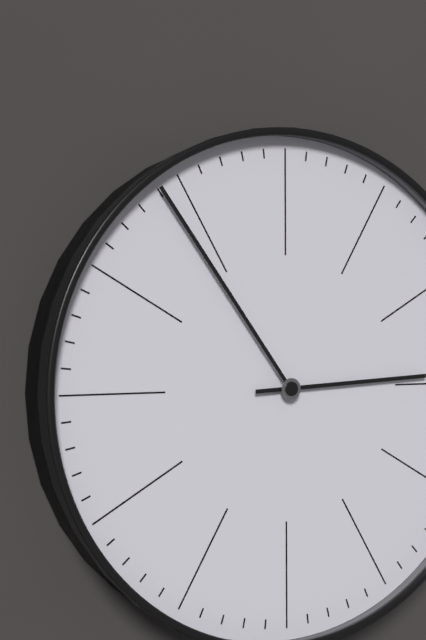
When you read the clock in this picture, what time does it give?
2:54
